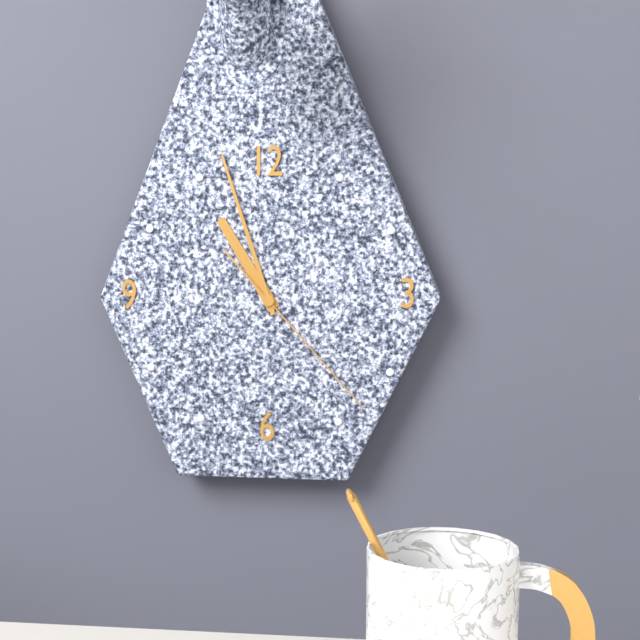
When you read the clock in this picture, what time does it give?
10:57:23
